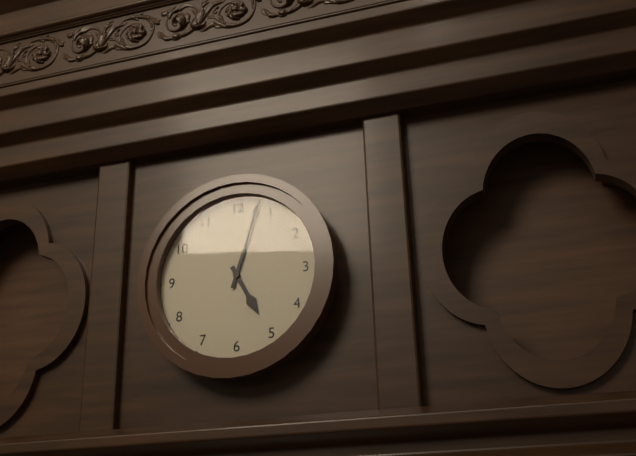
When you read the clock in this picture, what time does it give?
5:03
